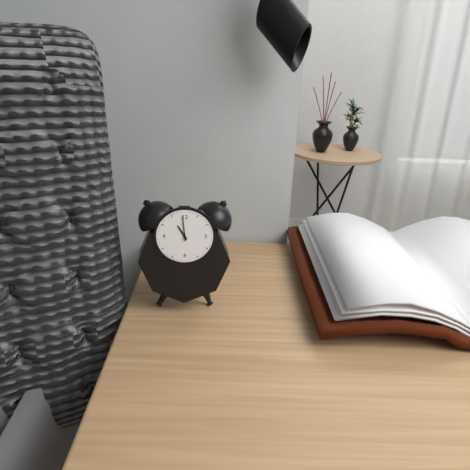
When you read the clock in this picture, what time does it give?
10:59
